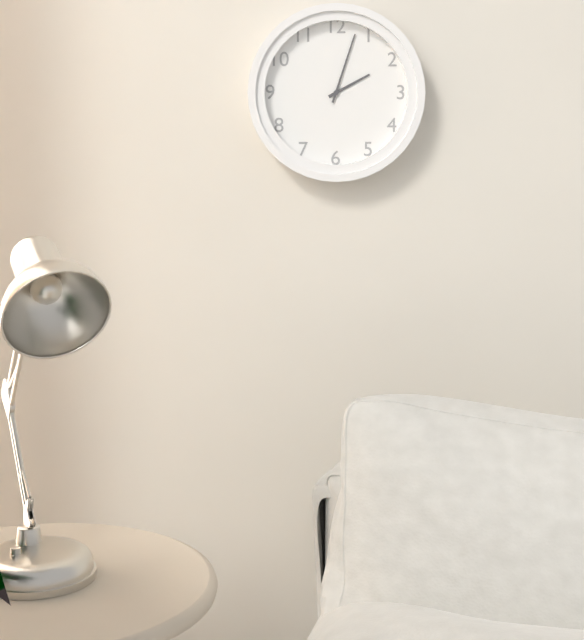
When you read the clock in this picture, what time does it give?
2:03
